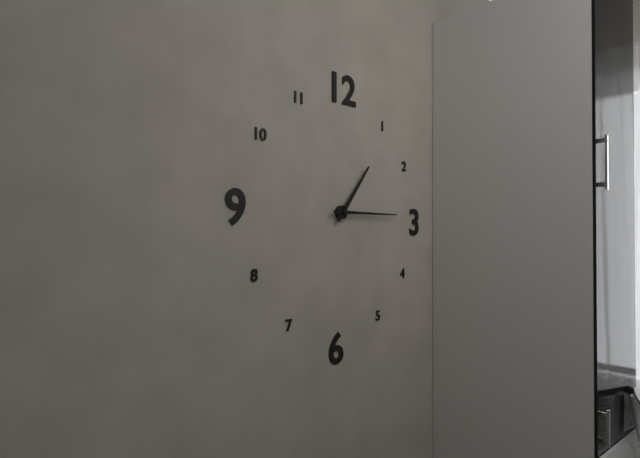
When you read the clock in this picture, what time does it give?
1:15
